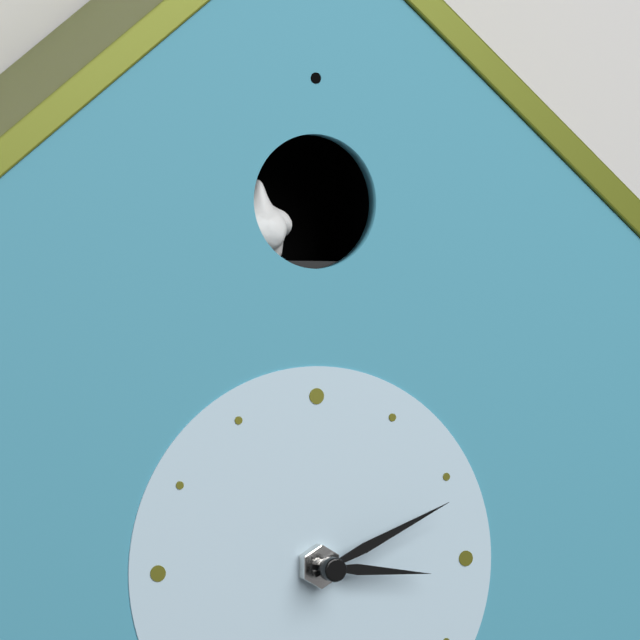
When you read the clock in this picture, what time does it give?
3:11
